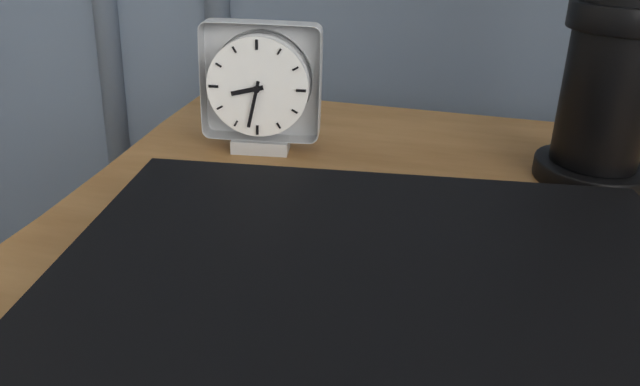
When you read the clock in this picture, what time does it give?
8:32
